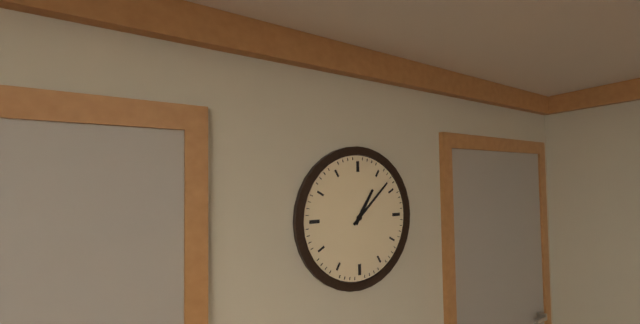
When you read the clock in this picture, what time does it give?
1:08
